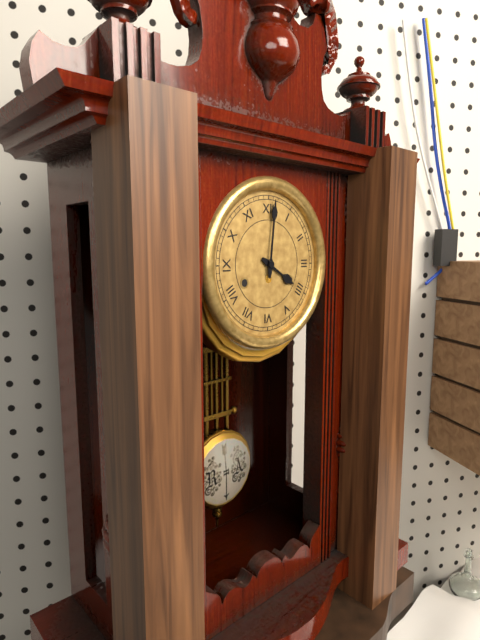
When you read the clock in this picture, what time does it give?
4:01
